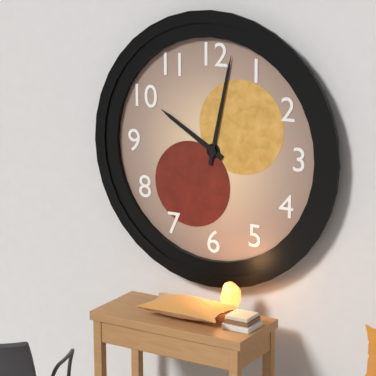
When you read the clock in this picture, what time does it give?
10:02
